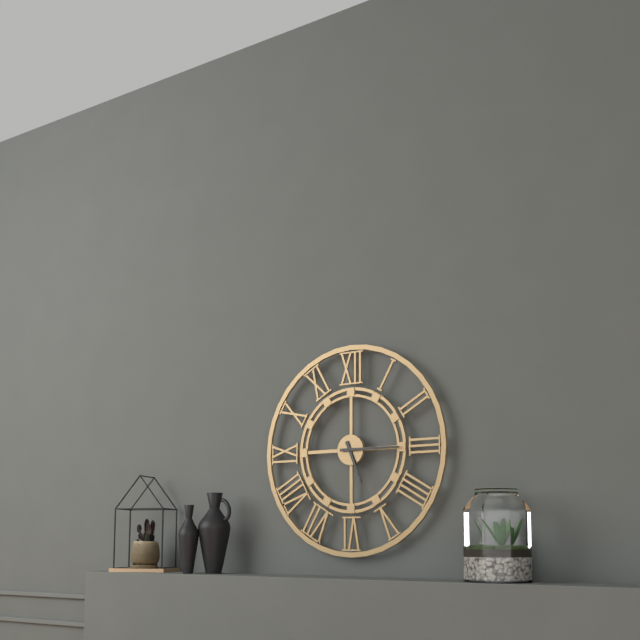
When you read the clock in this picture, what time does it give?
5:15
